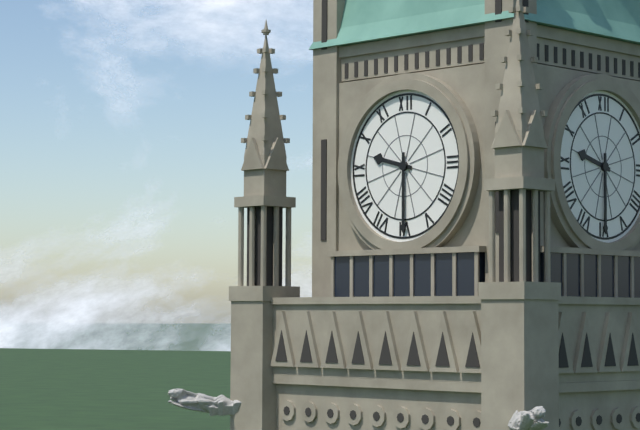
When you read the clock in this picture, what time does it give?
9:30
